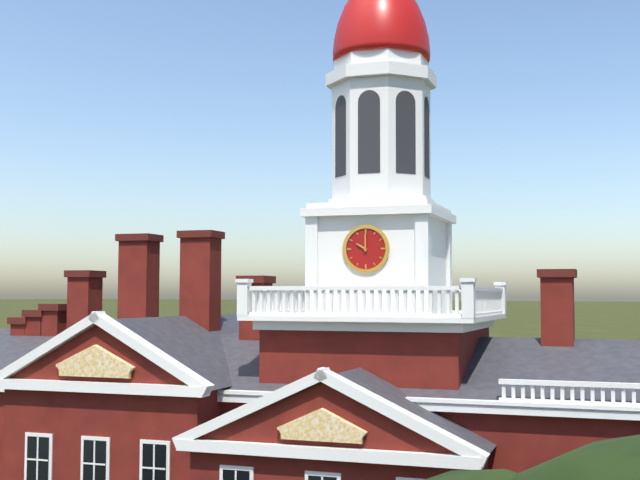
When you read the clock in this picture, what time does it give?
10:00
